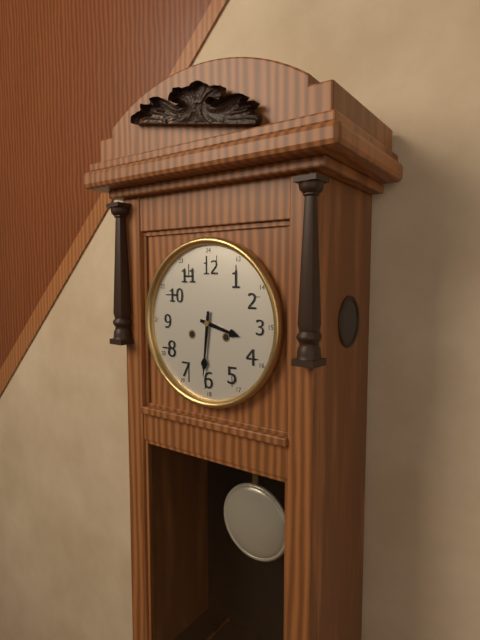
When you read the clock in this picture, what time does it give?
3:31
